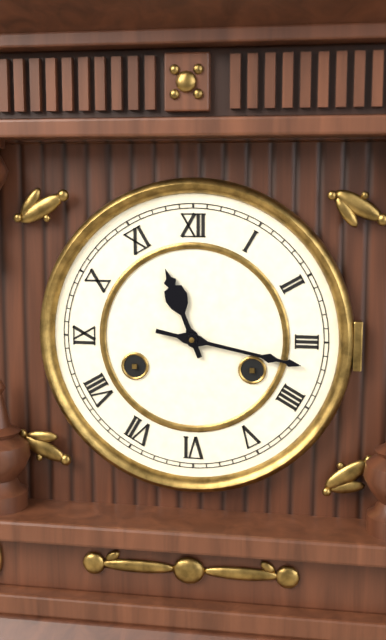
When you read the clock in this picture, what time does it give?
11:17
